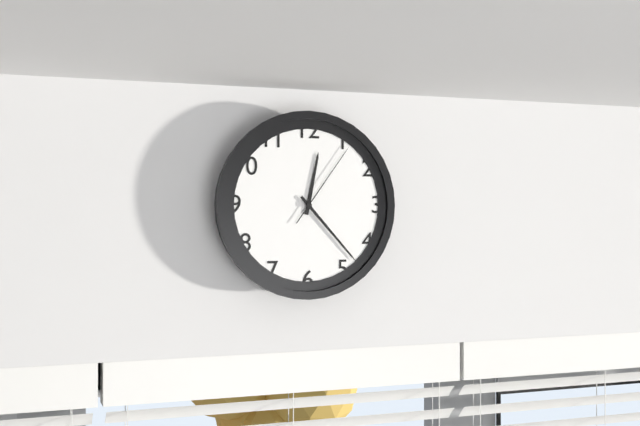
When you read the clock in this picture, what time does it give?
12:23:06
